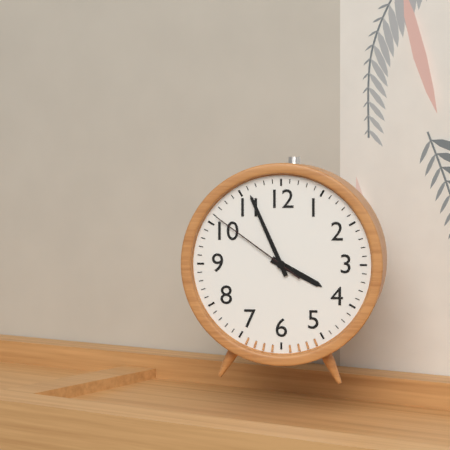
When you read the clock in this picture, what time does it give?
3:56:51
